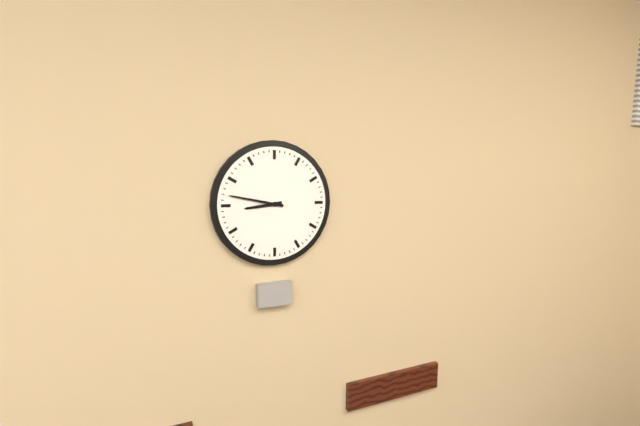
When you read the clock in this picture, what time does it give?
8:47
